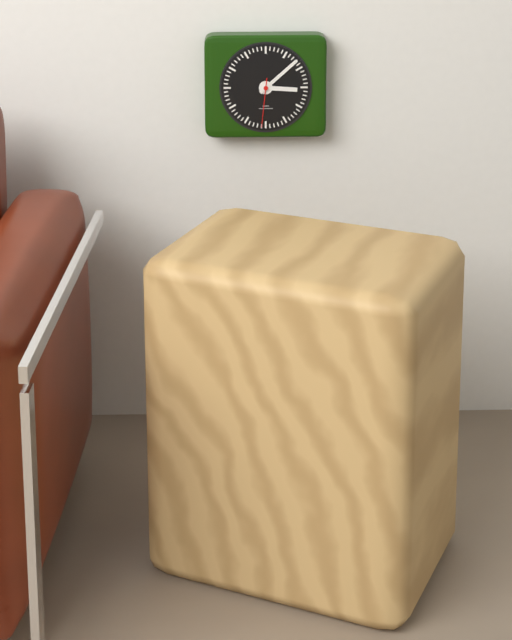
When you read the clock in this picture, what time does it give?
3:08
